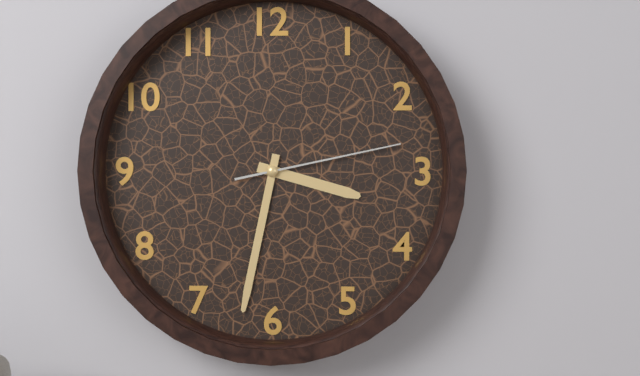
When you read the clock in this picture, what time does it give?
3:32:13
